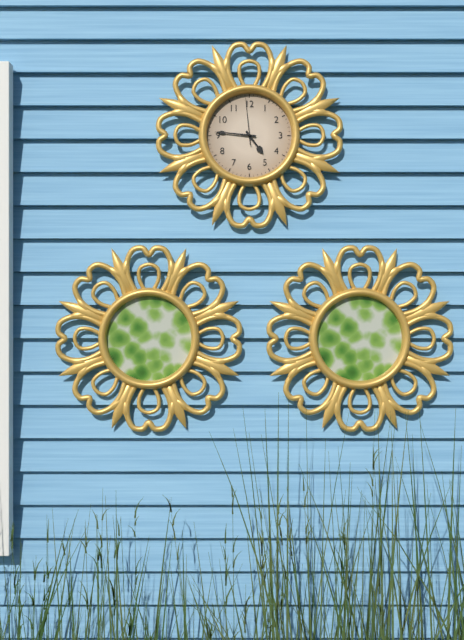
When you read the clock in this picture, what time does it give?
4:46
